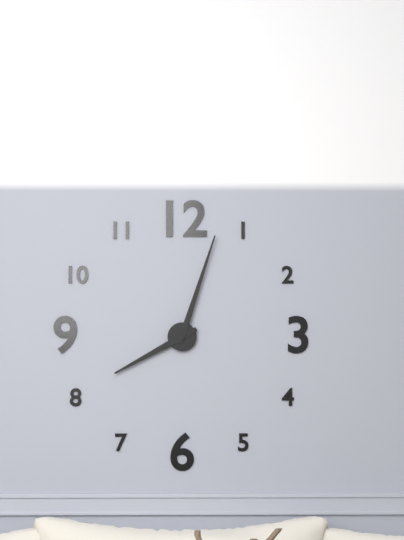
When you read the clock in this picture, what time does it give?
8:03
